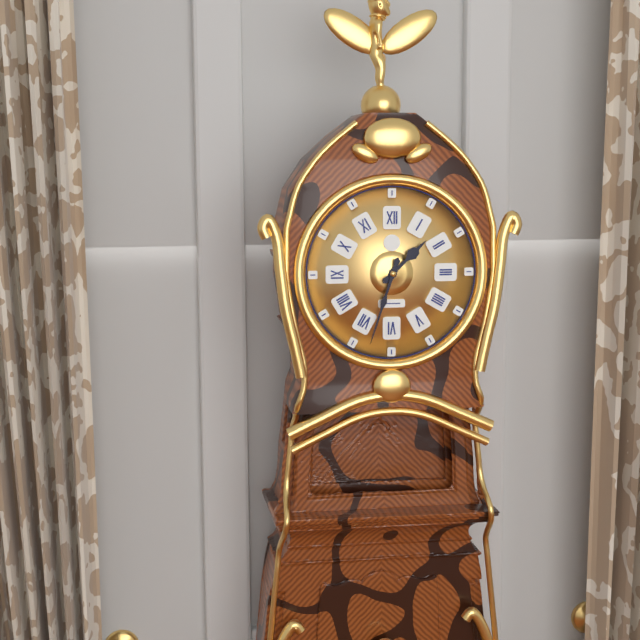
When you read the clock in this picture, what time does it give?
1:33
